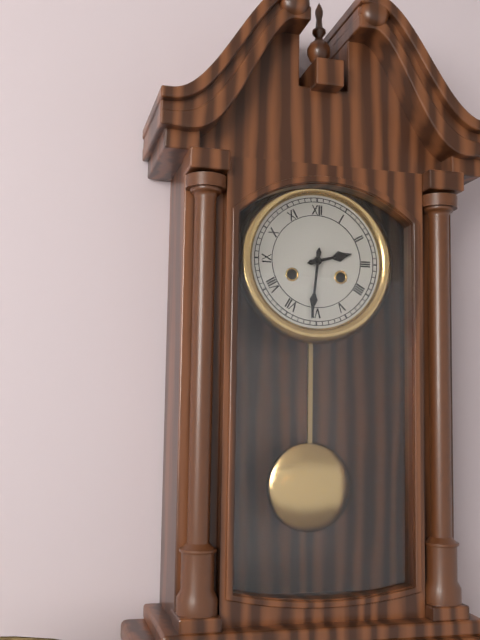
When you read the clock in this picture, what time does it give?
2:31
